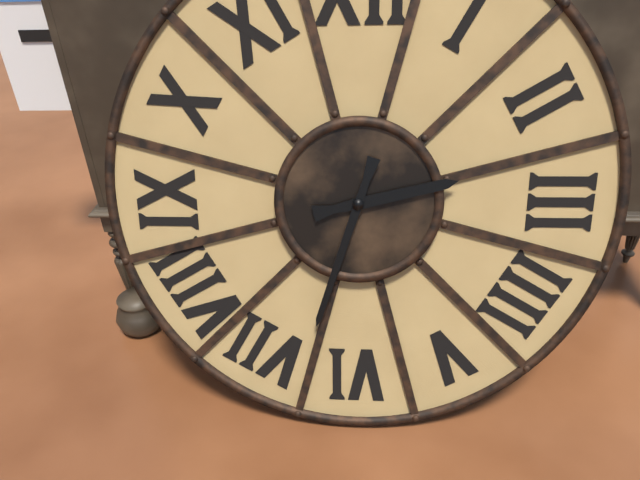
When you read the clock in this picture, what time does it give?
2:33
